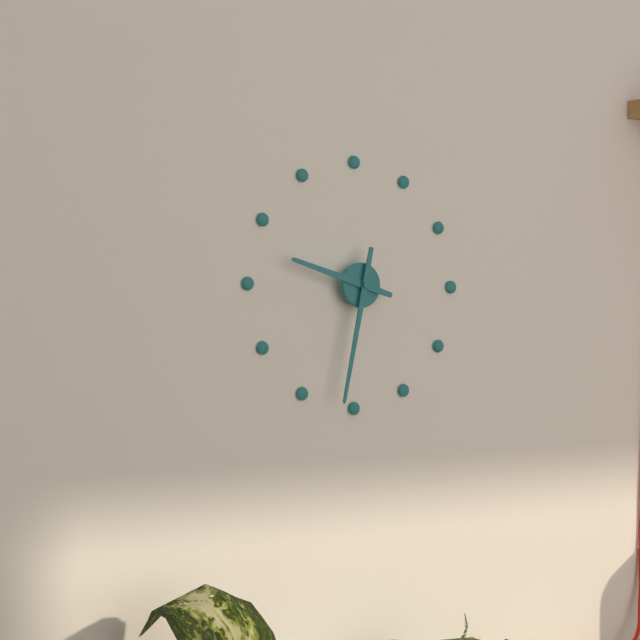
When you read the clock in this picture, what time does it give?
9:32
